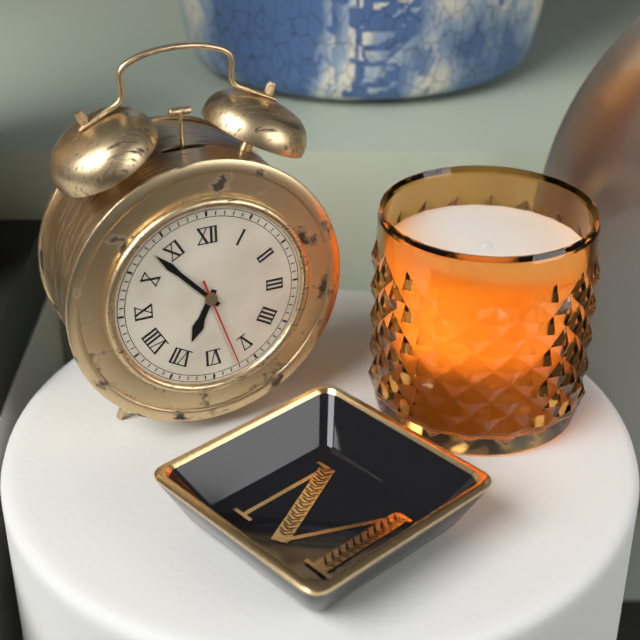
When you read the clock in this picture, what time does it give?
6:53:27
